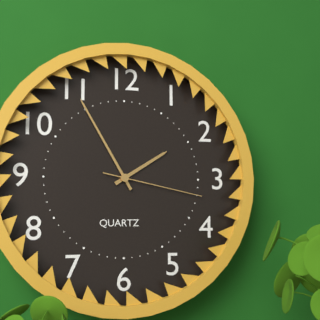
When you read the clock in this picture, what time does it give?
1:55:17
